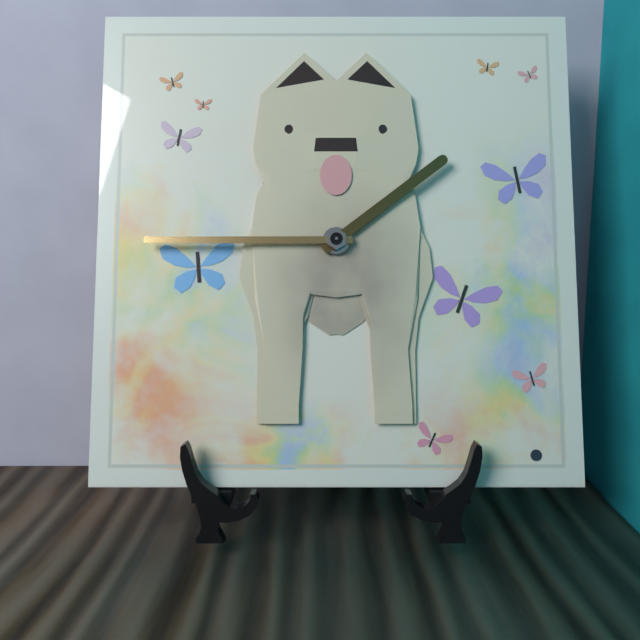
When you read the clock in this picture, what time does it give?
1:45
